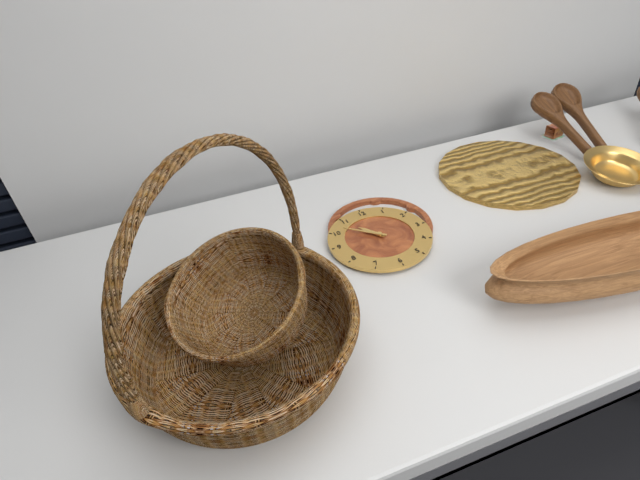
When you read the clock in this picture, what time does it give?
10:52
